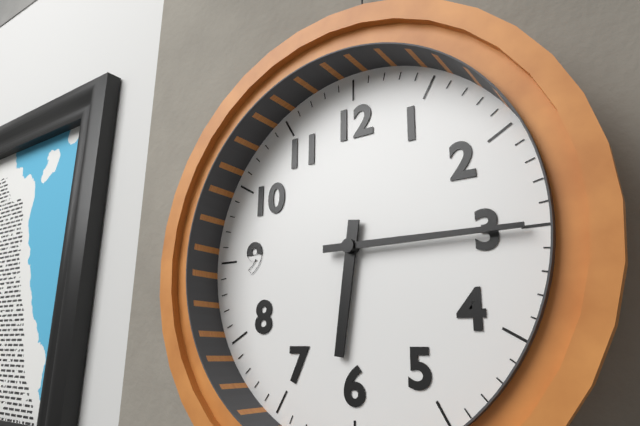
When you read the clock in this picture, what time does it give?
6:15
